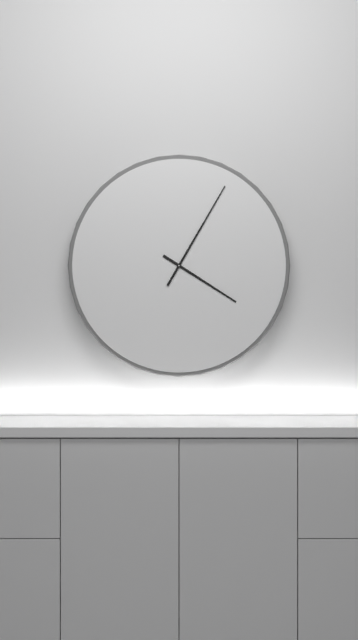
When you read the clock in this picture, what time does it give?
4:05
